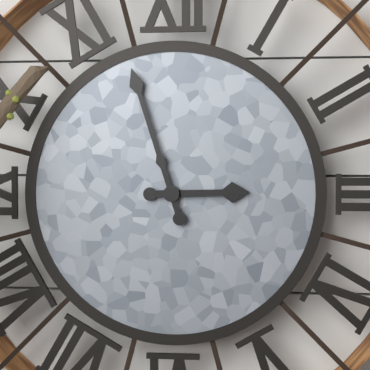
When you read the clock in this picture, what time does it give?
2:57
